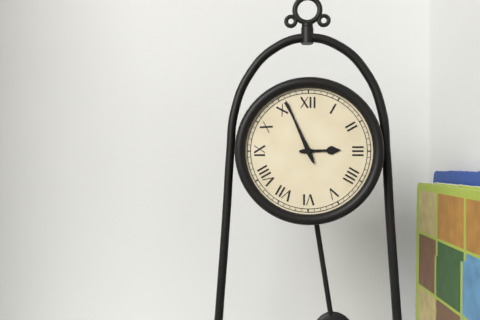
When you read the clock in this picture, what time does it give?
2:56
